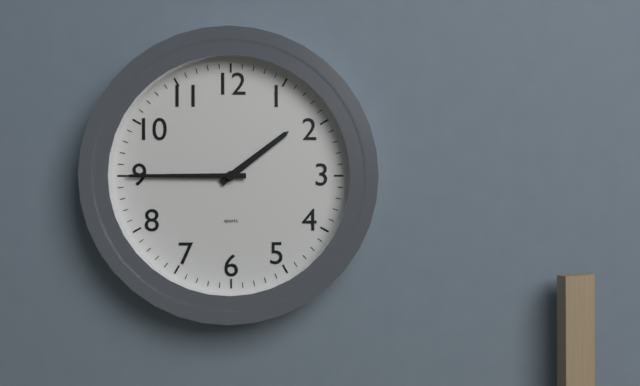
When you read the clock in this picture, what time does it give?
1:45
